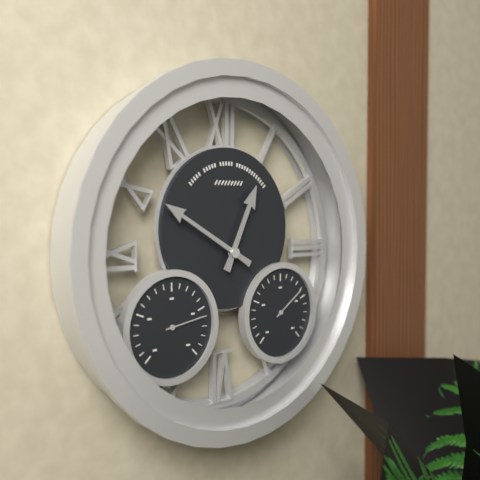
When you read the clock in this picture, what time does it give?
12:50
